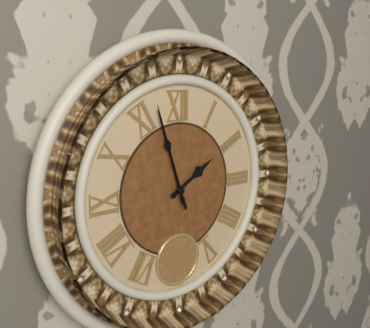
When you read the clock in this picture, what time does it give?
1:57:57
